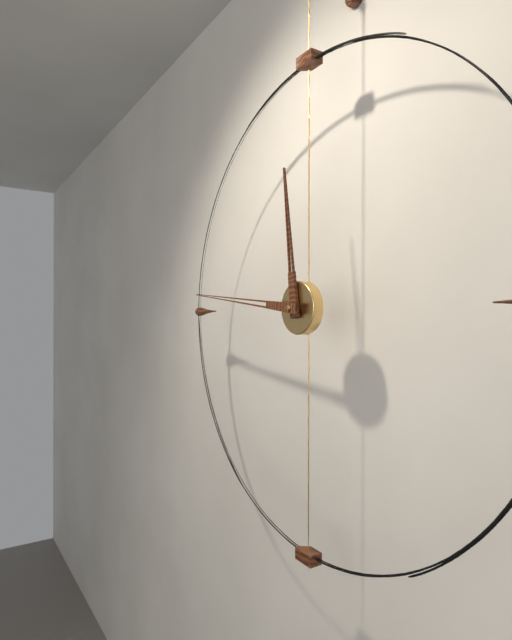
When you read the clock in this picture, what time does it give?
11:46
